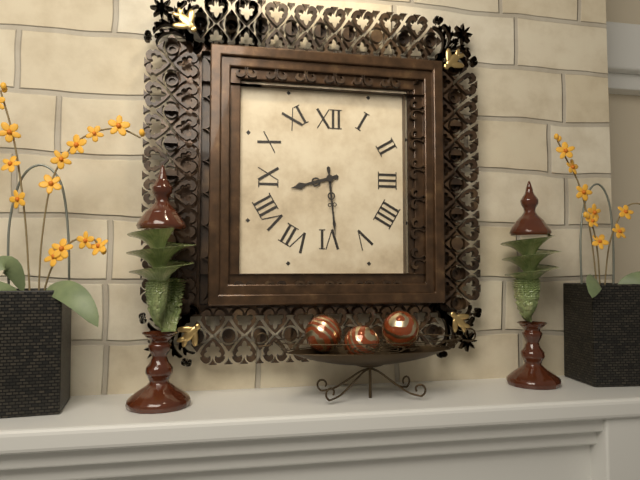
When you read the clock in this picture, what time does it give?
8:29
